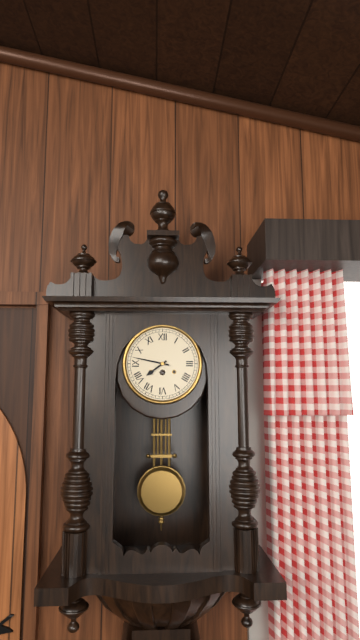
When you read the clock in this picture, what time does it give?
7:47
